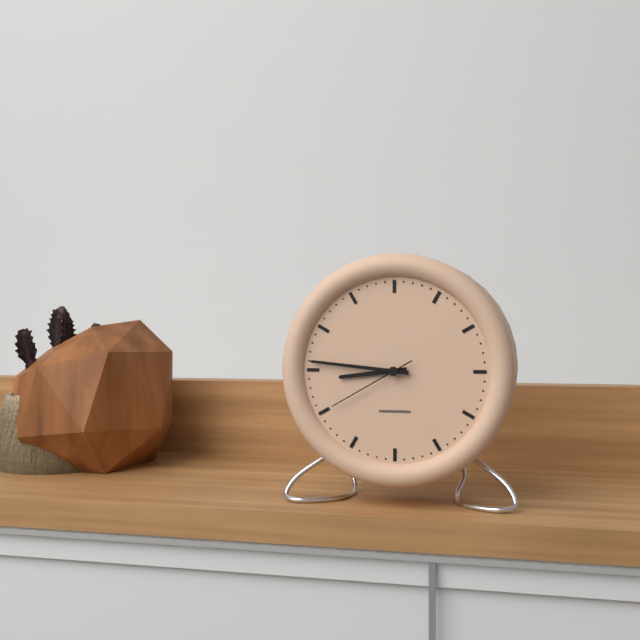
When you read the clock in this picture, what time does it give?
8:46:40
